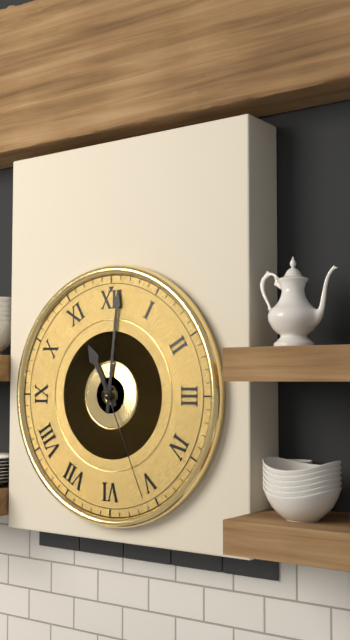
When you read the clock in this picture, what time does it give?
11:01:26
